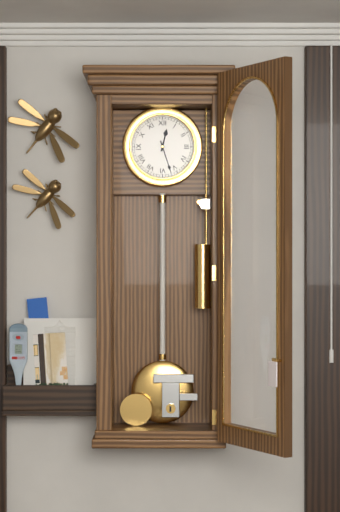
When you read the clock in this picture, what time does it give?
12:27
